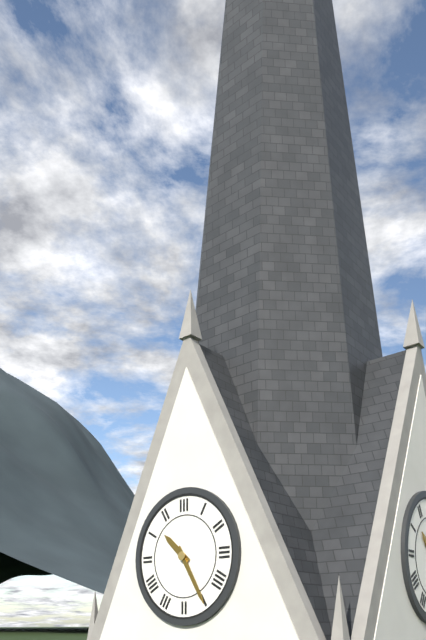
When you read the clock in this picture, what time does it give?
10:25
